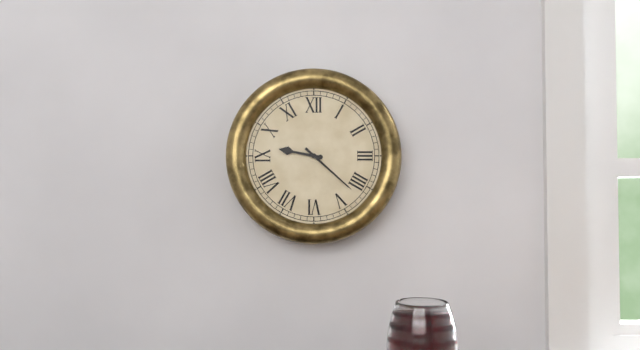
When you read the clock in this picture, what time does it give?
9:22
